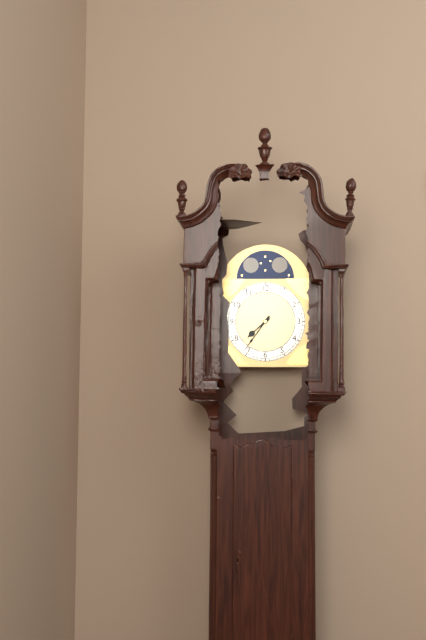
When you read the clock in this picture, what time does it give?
7:36
